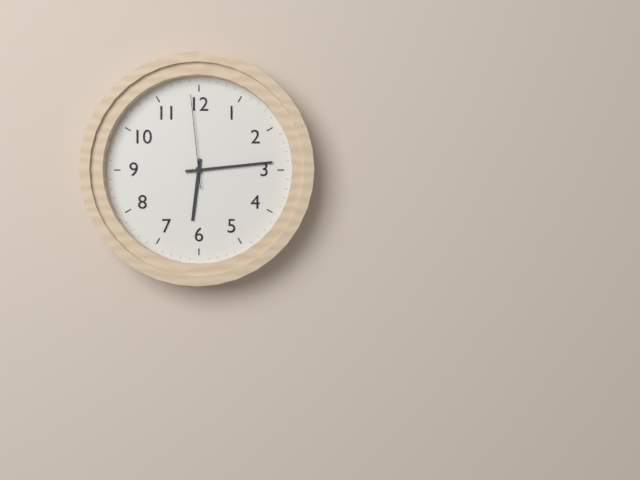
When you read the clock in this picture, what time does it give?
6:14:59
